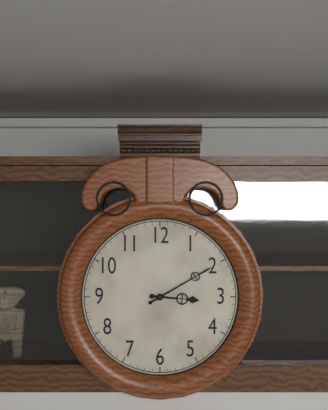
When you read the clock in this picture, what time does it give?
3:10
